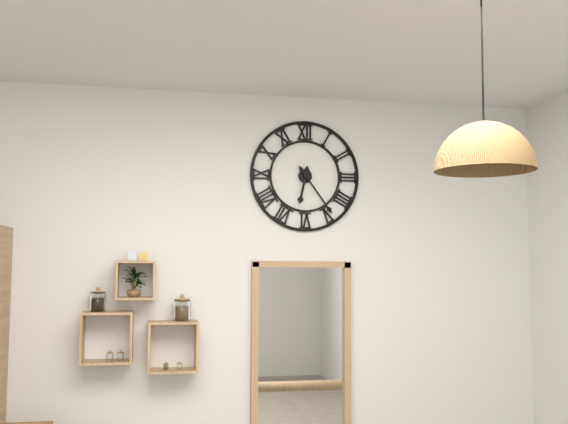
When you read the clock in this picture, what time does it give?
6:24
